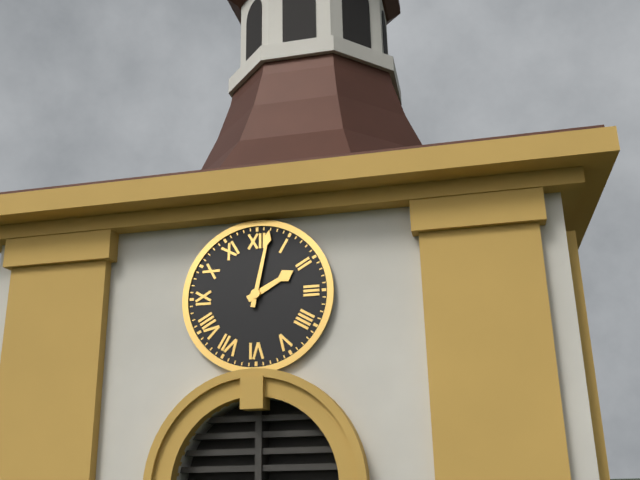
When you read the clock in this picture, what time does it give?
2:02
